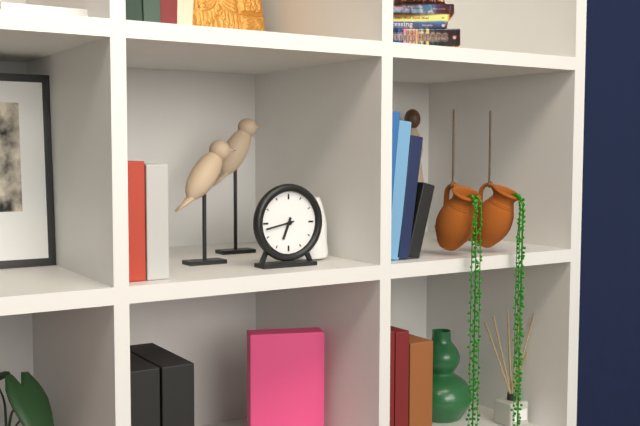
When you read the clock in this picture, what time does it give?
6:43
